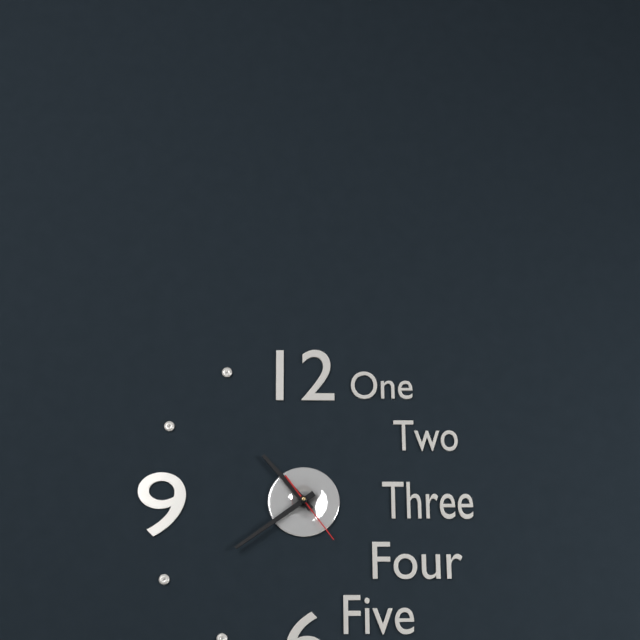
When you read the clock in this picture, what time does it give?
10:39:24
